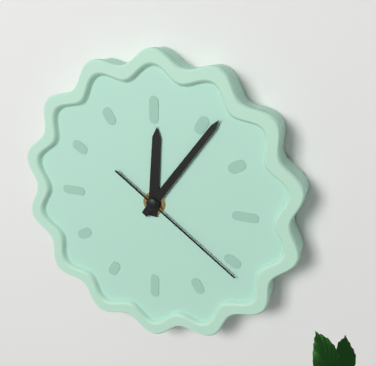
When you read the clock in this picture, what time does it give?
12:06:21
